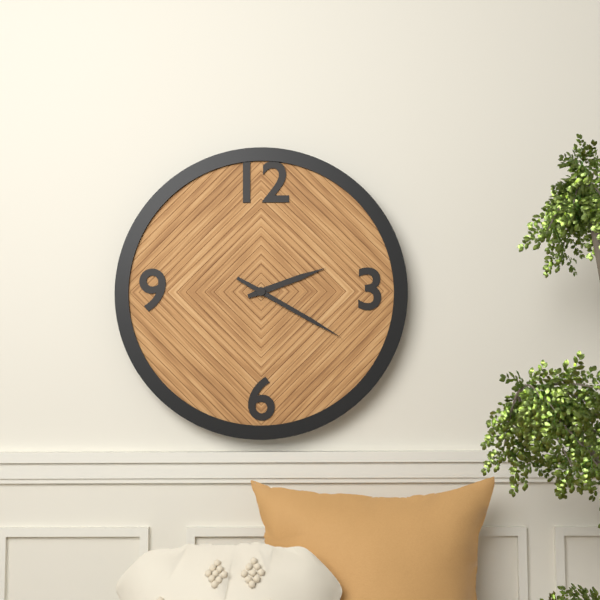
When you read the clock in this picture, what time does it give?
2:20
